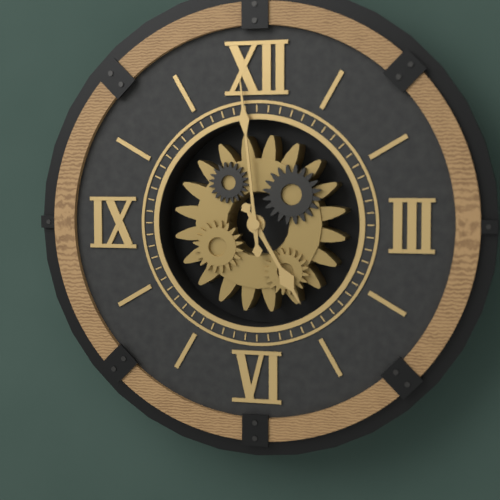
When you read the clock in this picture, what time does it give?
4:59
